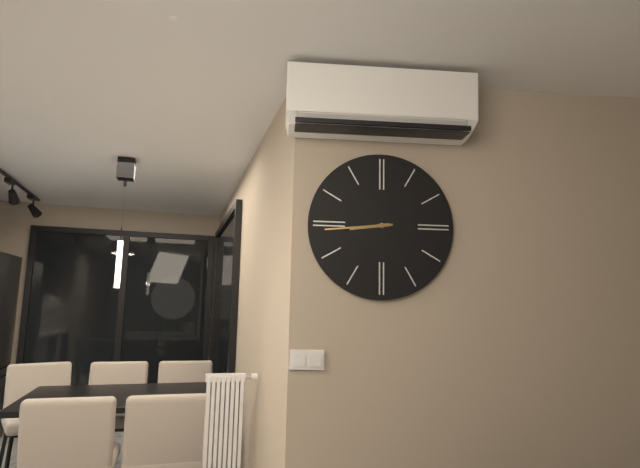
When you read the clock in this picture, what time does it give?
8:44
